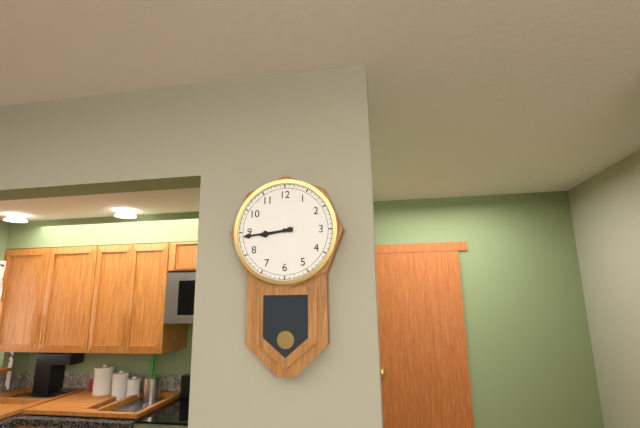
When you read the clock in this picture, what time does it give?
8:44
